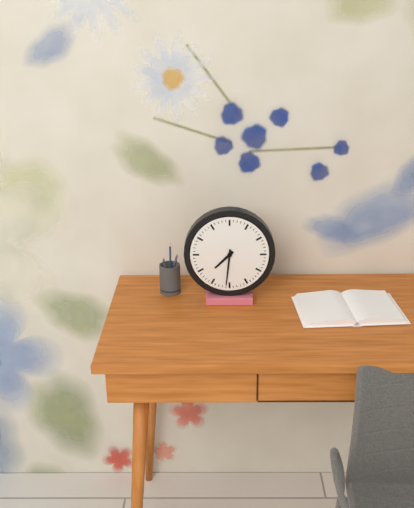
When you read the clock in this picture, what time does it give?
7:31
